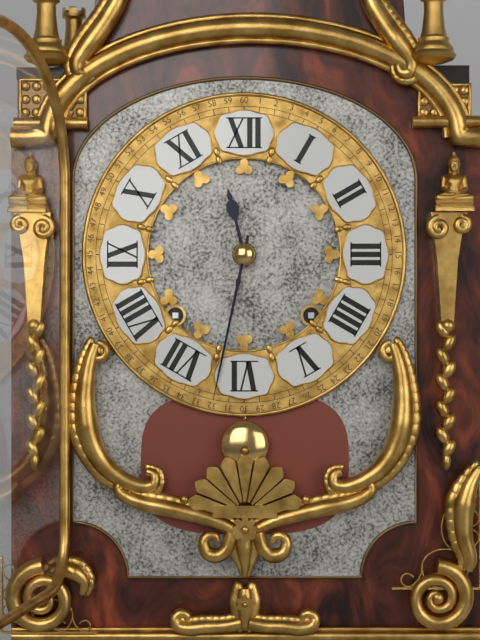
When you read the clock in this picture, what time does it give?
11:32
